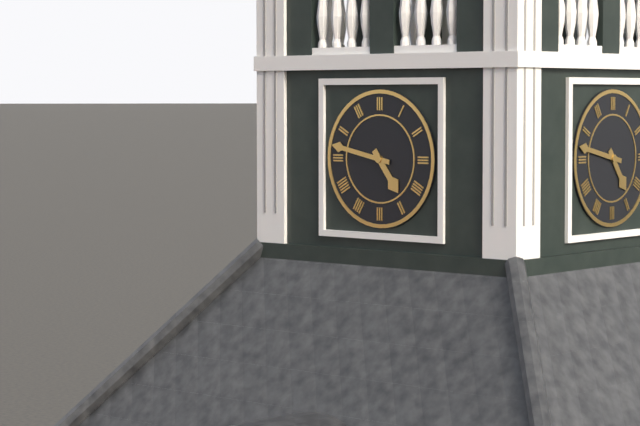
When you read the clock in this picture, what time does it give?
4:47
